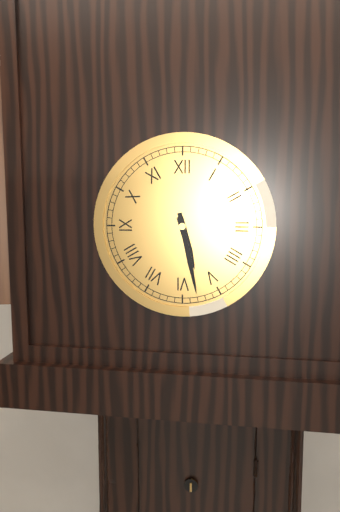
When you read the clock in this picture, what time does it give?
5:28
